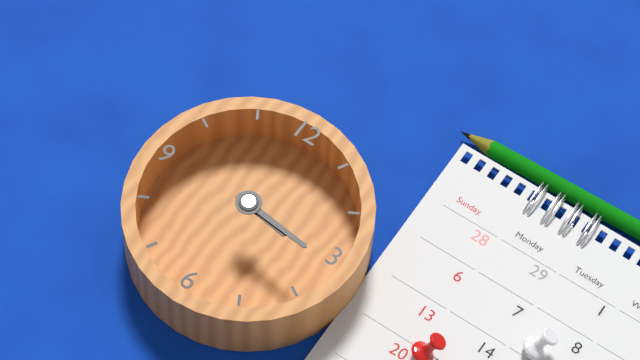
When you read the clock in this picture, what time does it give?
3:16
